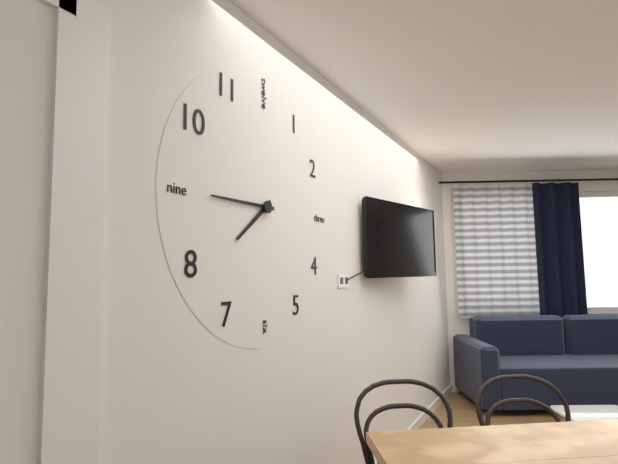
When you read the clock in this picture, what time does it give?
7:45
